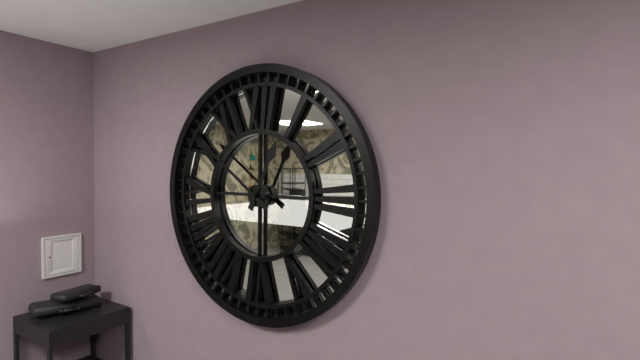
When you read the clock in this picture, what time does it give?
12:51
